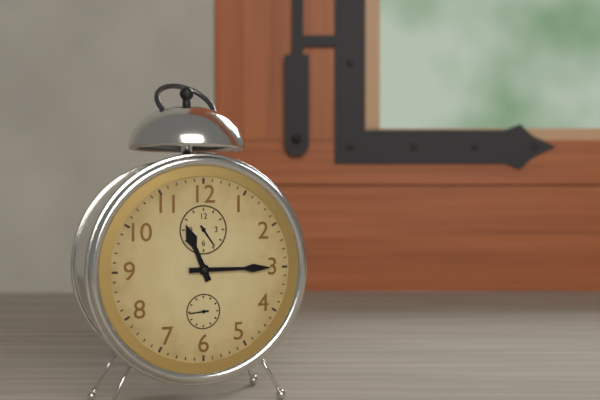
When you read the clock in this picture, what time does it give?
11:15
